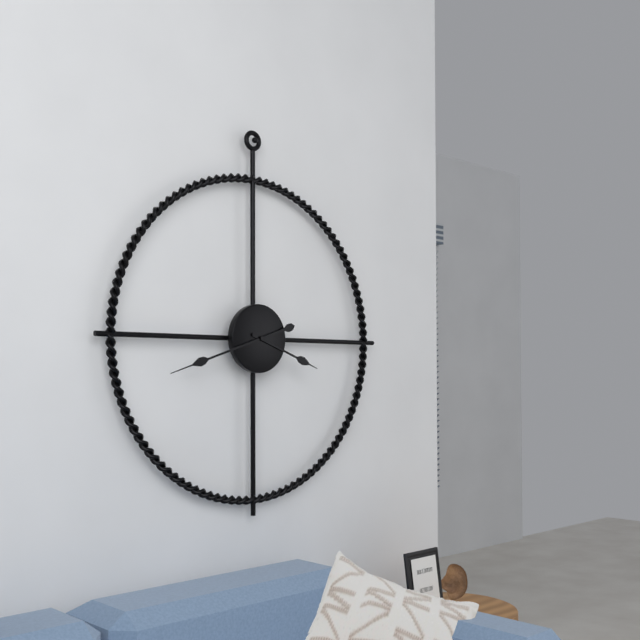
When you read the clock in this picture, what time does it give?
3:42
